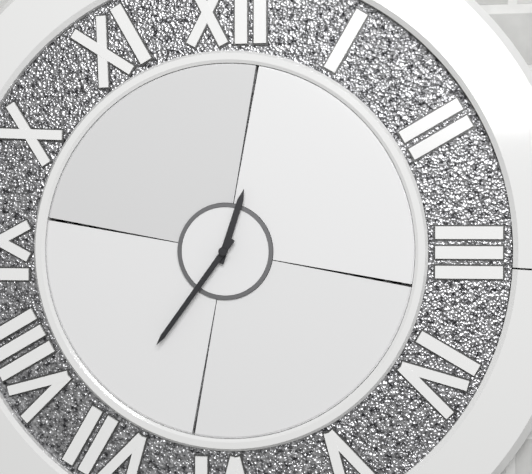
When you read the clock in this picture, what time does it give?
12:36
